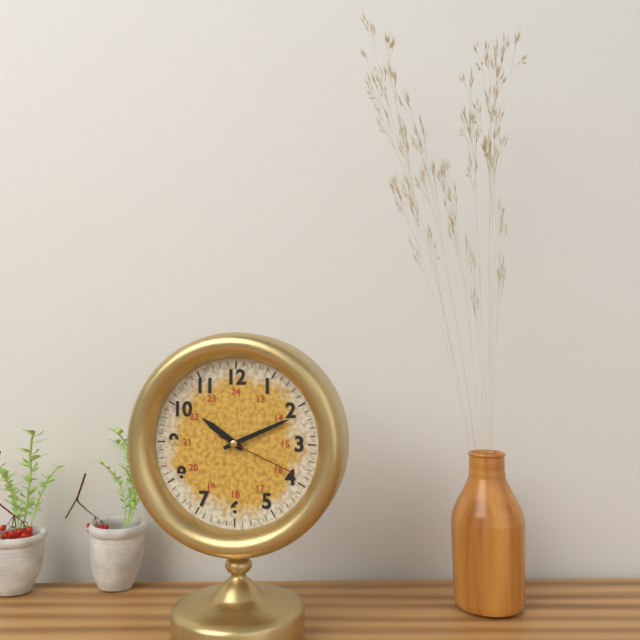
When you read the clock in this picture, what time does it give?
10:11:19
